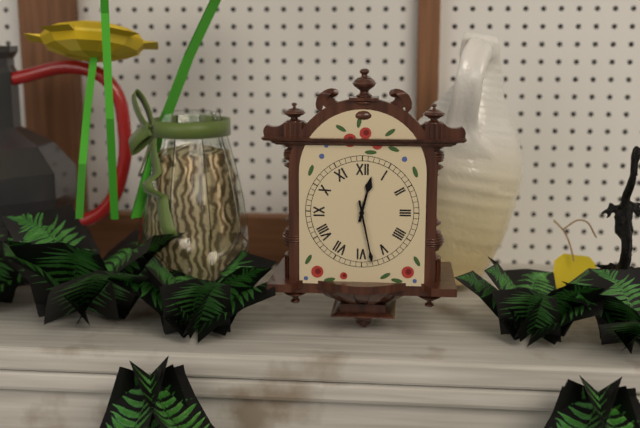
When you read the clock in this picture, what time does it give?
12:28
